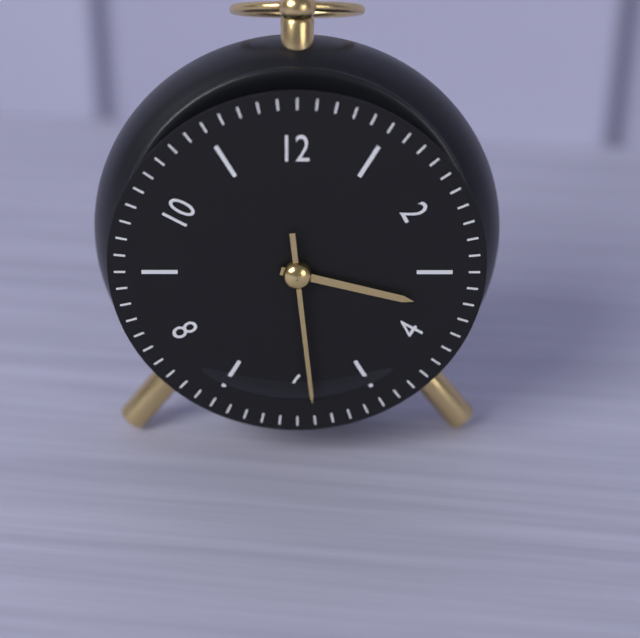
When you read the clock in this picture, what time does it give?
3:29
